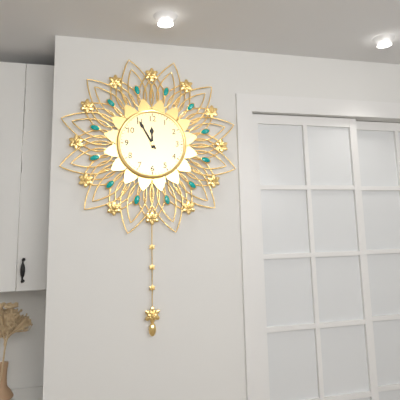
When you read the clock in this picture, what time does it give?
11:55
